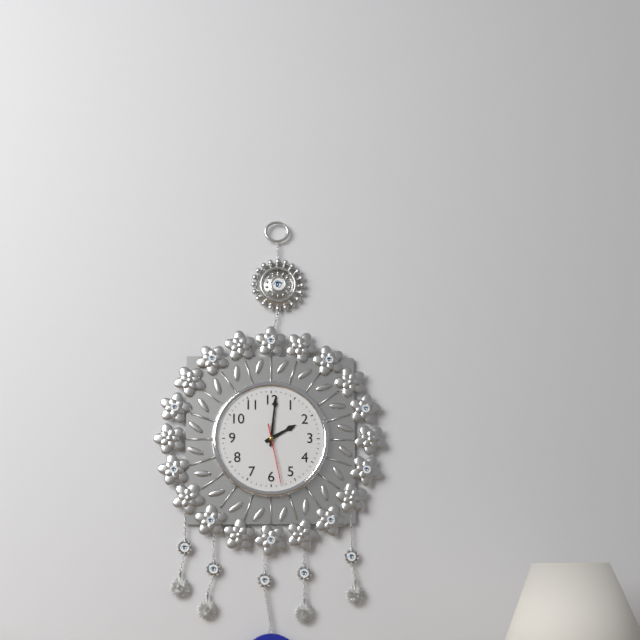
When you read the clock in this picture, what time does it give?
2:01:28
